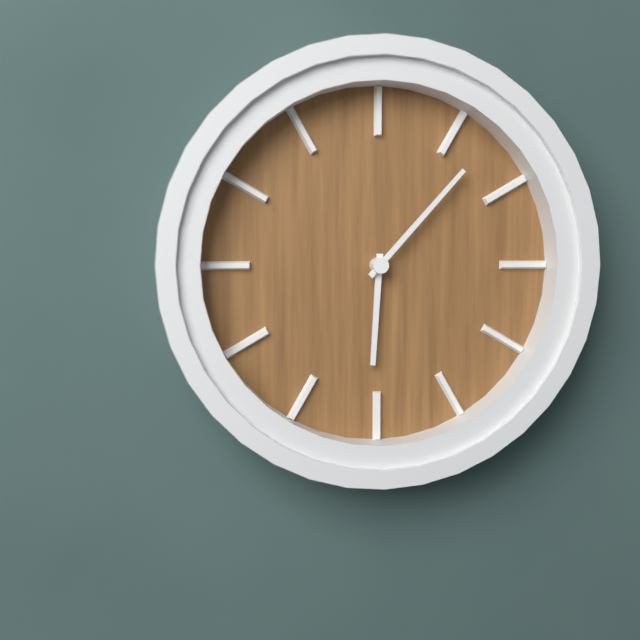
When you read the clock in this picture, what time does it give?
6:07
